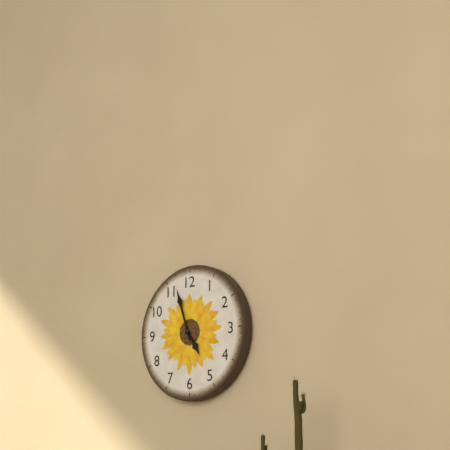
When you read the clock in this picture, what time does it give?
4:57
